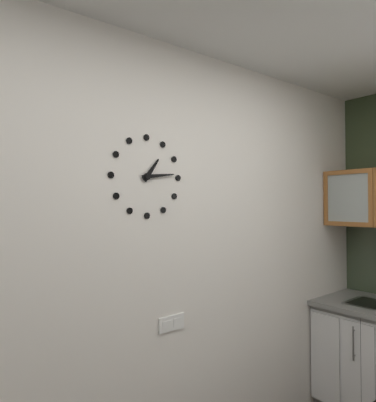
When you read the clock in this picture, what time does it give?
1:14
